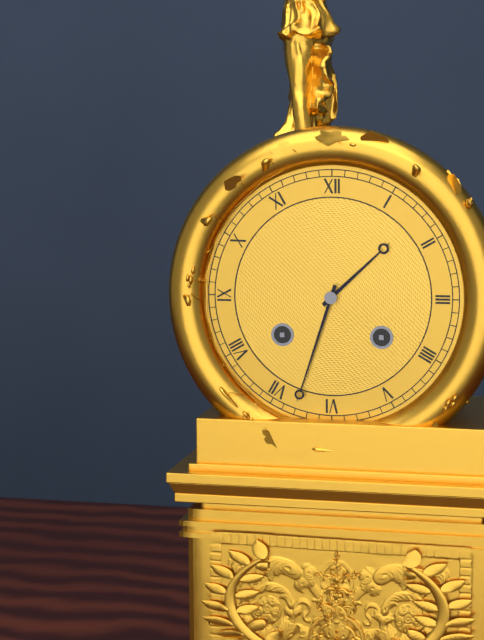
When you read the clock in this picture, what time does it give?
1:33
